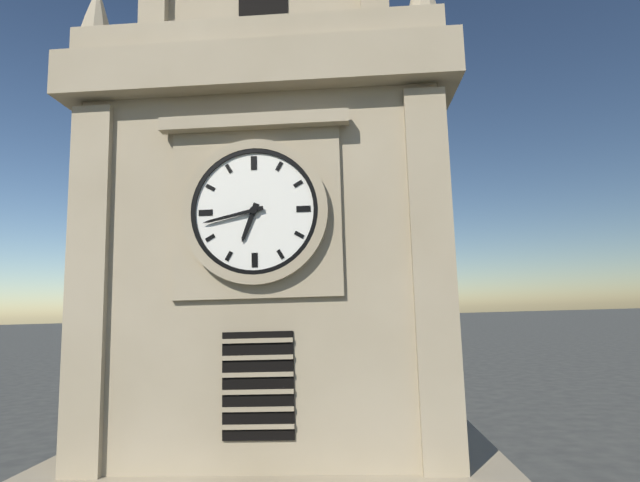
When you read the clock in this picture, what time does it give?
6:43
